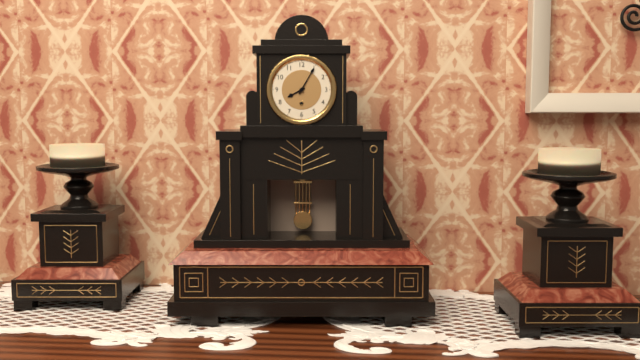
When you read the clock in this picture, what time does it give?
8:05
